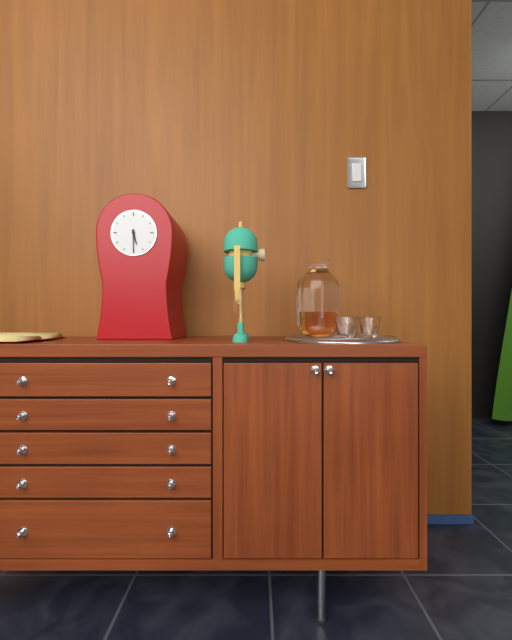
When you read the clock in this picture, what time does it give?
5:30
